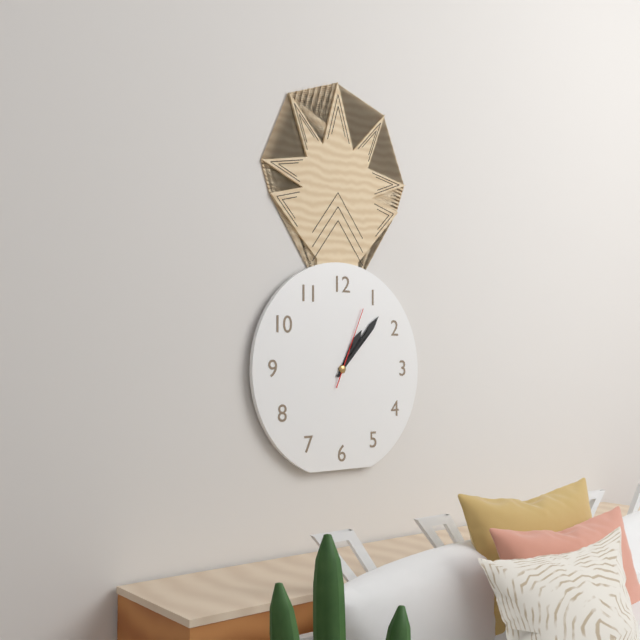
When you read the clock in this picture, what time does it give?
1:07:04
